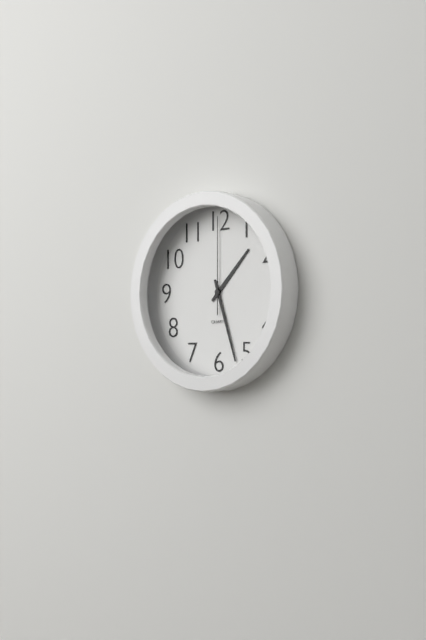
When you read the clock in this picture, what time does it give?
1:27:00
